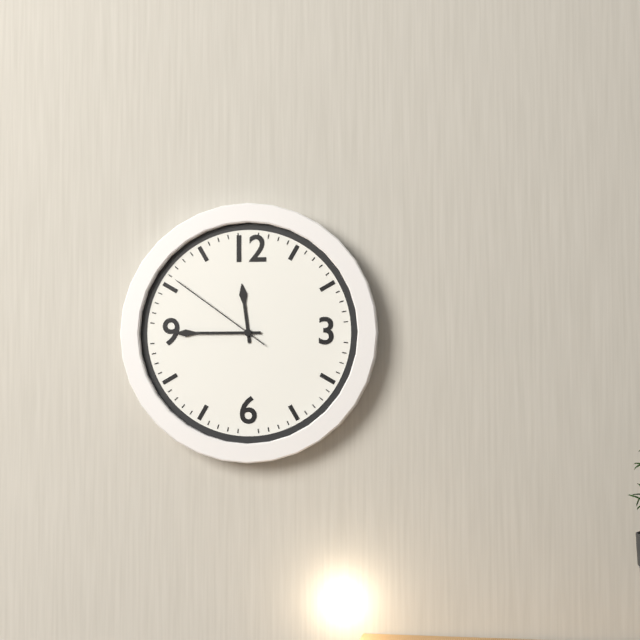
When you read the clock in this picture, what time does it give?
11:45:51
